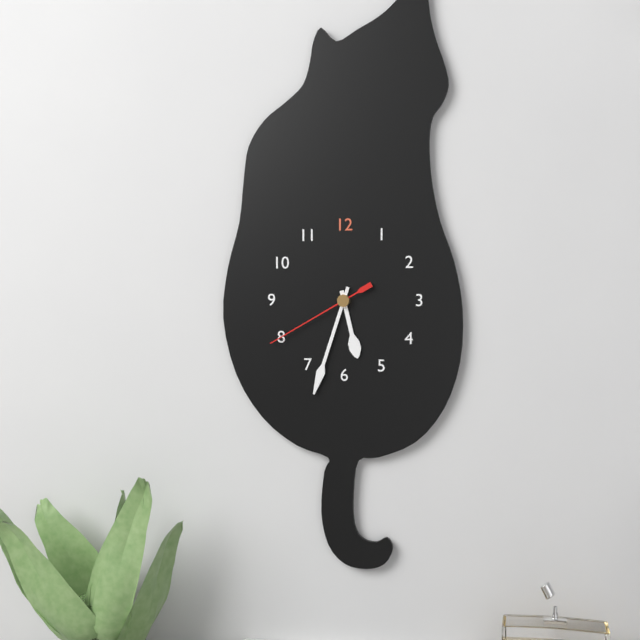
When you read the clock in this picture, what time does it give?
5:33:40
